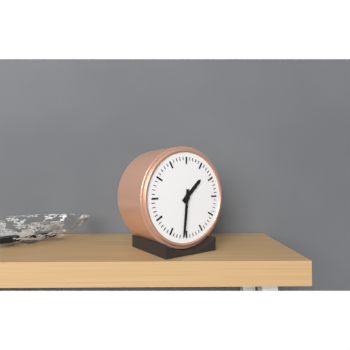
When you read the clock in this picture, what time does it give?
1:31
